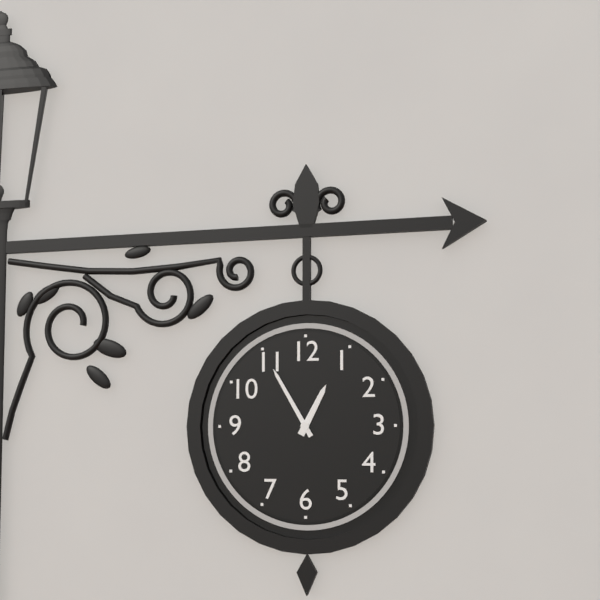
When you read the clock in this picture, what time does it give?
12:55
